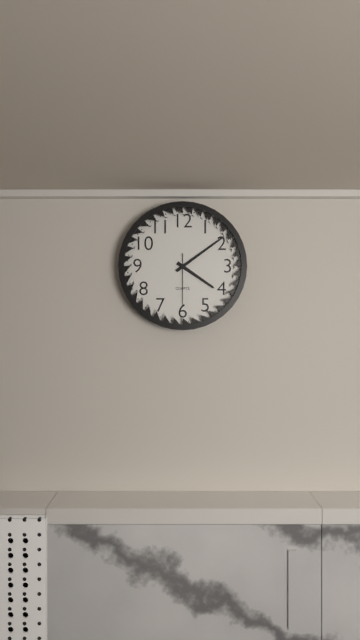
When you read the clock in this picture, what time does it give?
4:09
